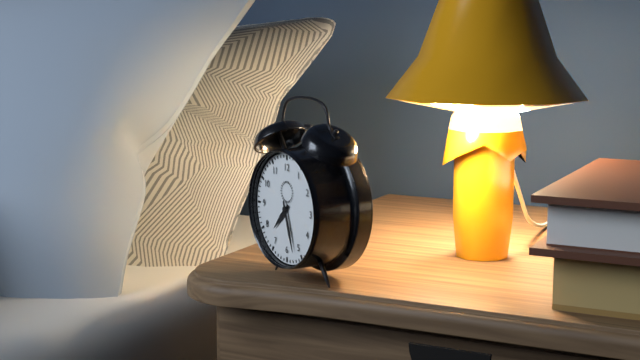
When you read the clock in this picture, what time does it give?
7:27
